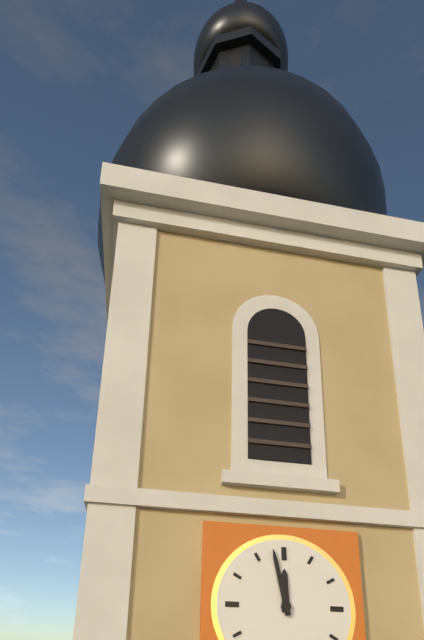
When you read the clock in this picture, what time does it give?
11:58
